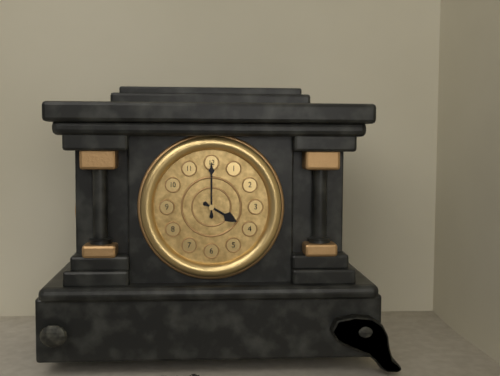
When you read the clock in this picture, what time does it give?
4:00
